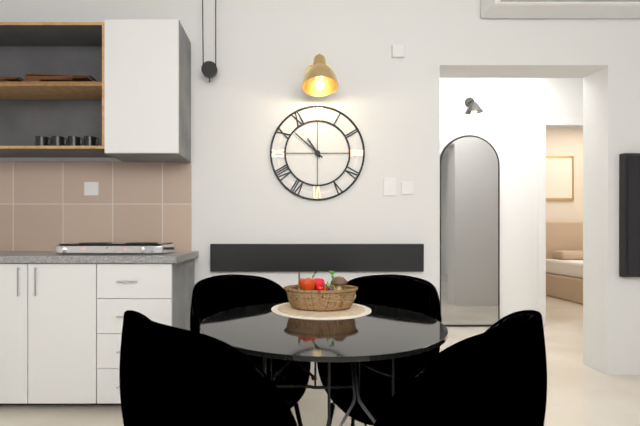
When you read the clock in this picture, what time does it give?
10:52
